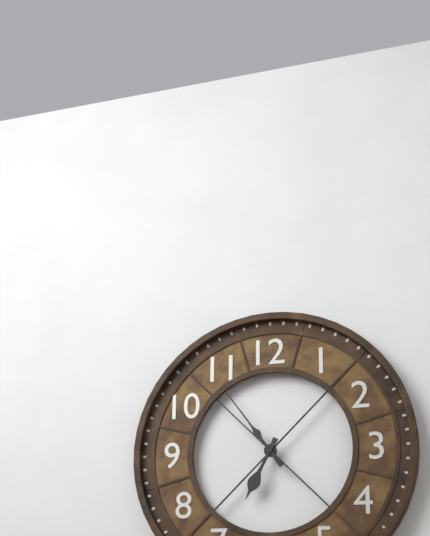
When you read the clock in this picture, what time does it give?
6:54
